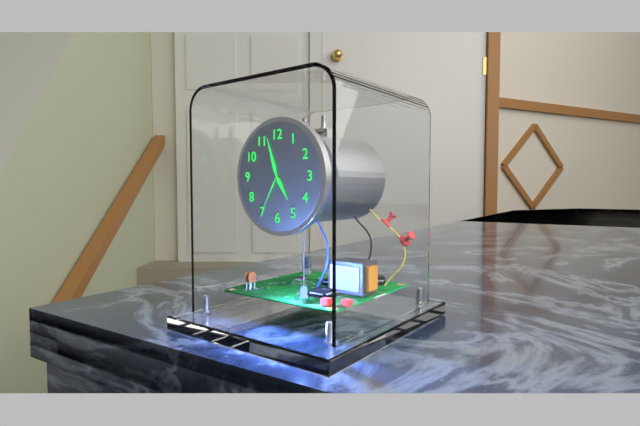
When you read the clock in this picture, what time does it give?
4:57
